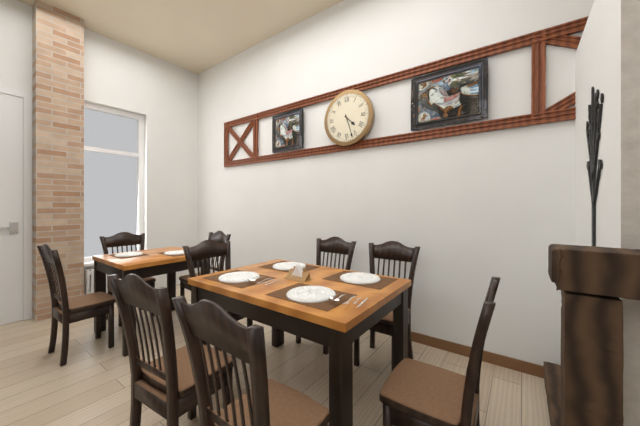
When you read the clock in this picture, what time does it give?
4:27
